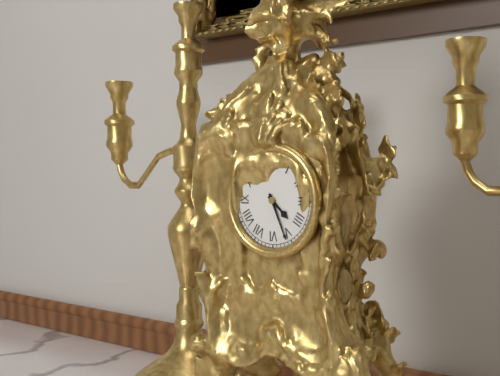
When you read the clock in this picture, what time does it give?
4:26
